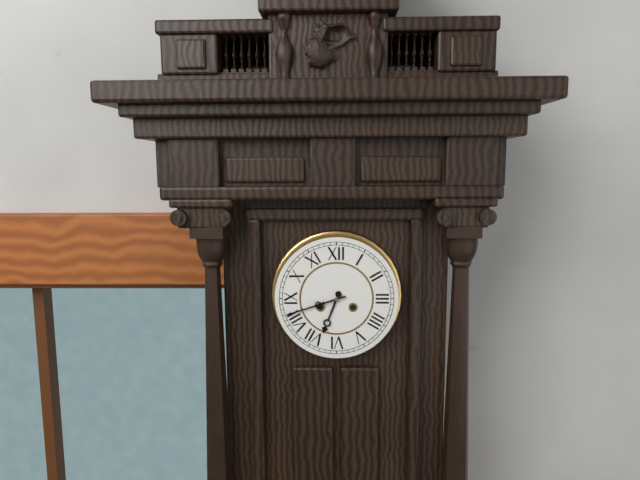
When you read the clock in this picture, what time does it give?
6:42
